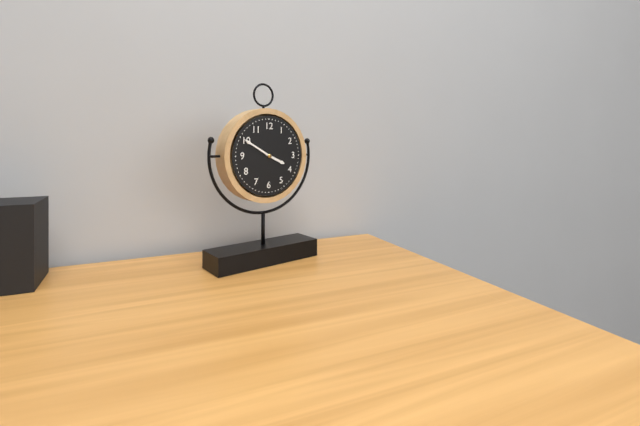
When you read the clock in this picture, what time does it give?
3:50
